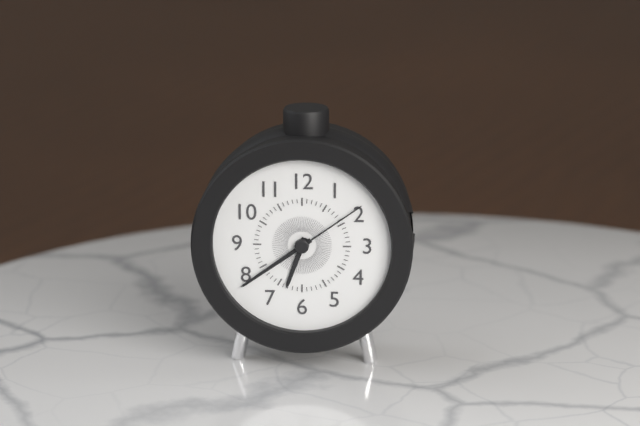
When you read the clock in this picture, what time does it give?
6:39:09
